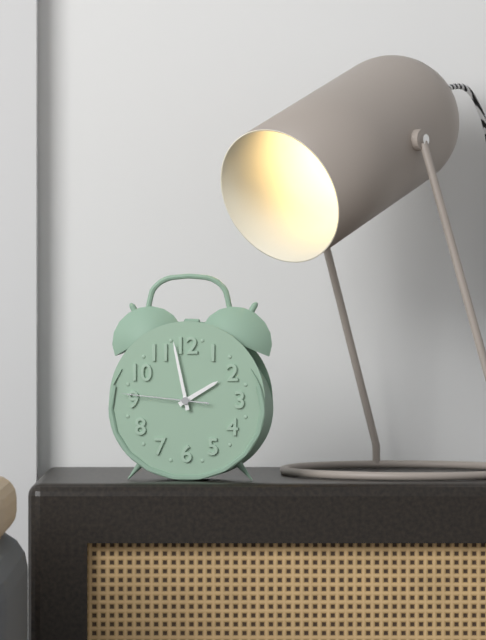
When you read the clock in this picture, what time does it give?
1:58:46
